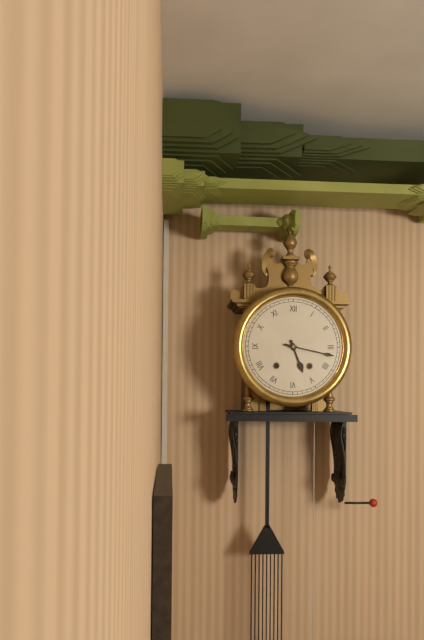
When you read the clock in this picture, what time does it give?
5:17
